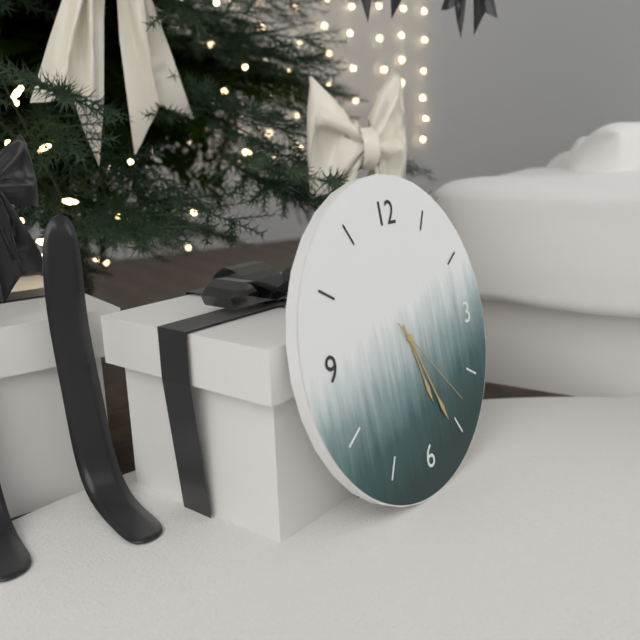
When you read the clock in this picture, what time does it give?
5:26:23
